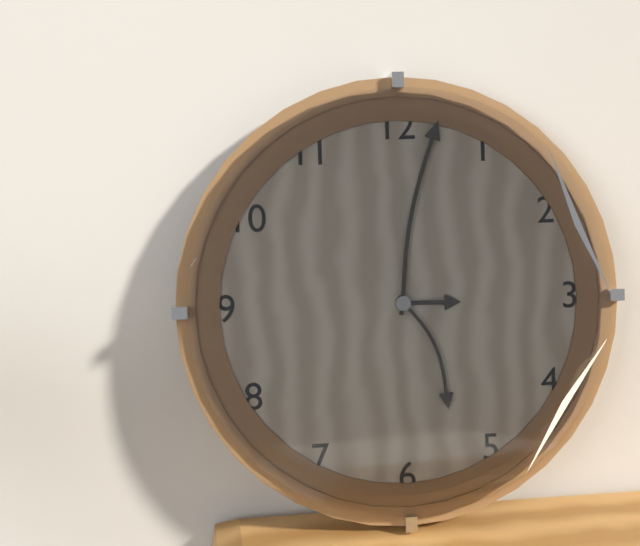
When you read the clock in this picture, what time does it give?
3:02:26
